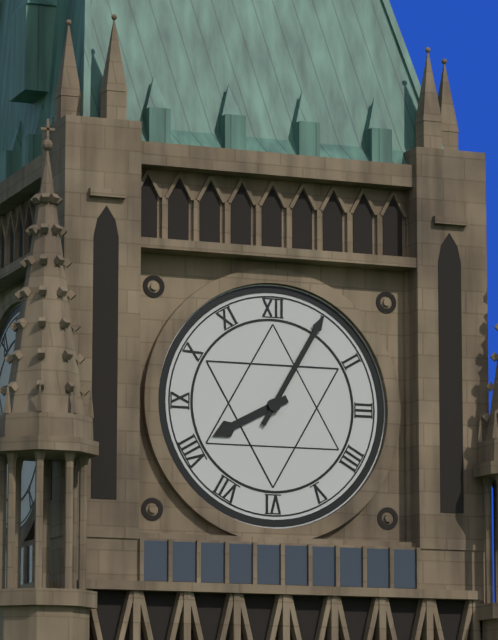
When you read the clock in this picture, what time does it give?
8:05
